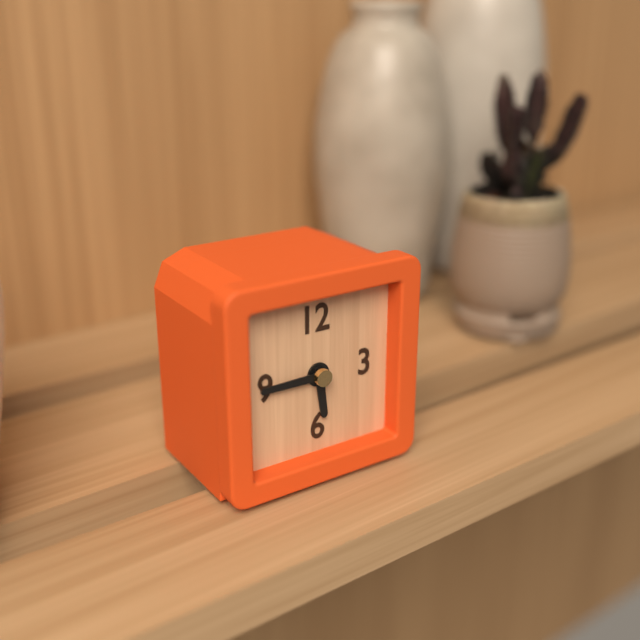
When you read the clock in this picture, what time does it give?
5:45
